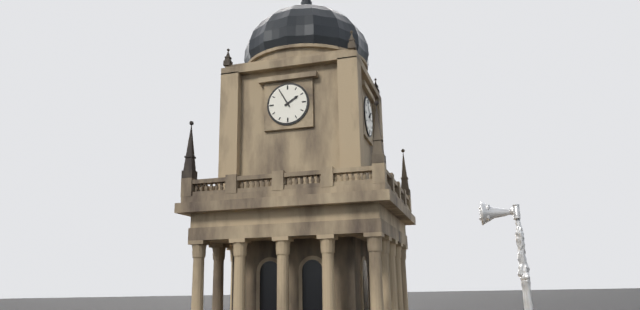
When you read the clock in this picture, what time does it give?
1:55
